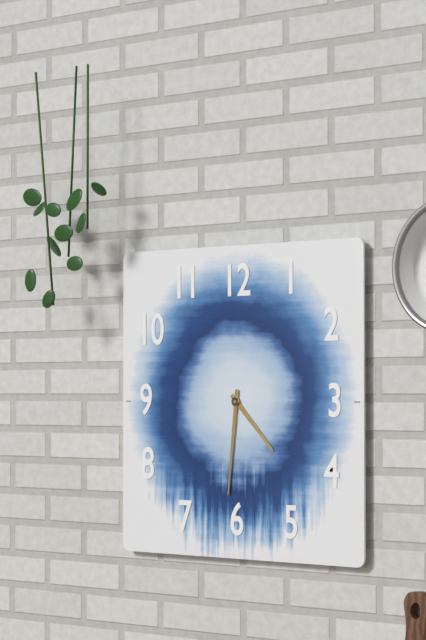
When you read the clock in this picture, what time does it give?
4:31
